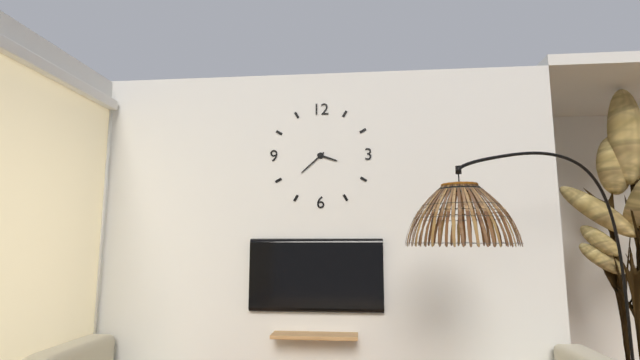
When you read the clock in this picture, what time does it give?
3:38
